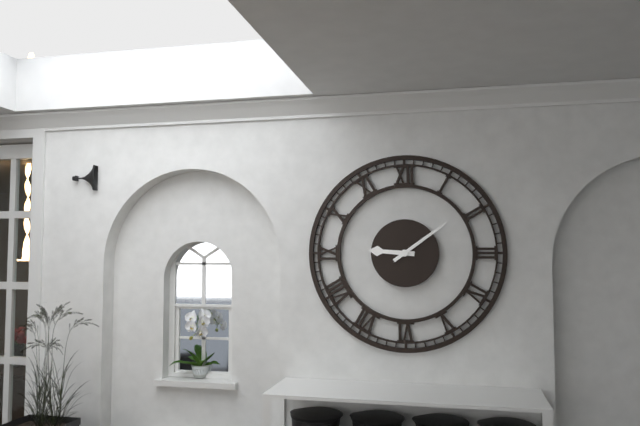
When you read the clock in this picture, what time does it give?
9:09
